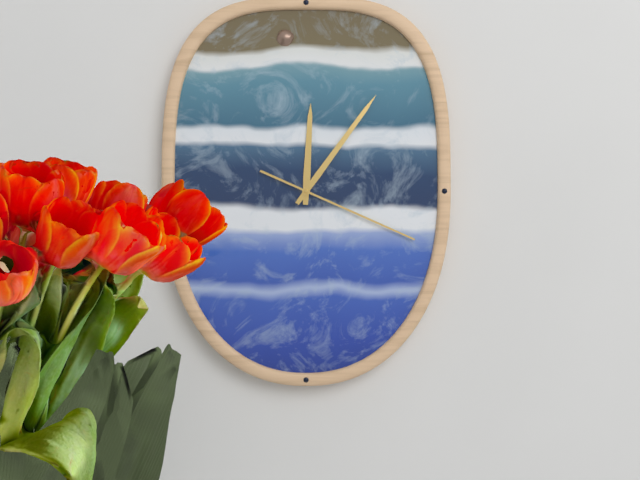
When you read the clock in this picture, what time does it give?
12:06:19
